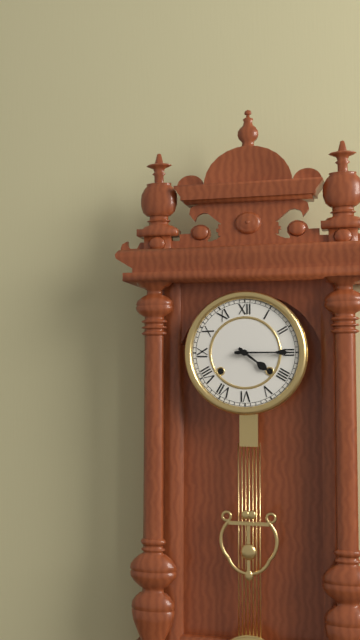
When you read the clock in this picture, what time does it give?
4:15
